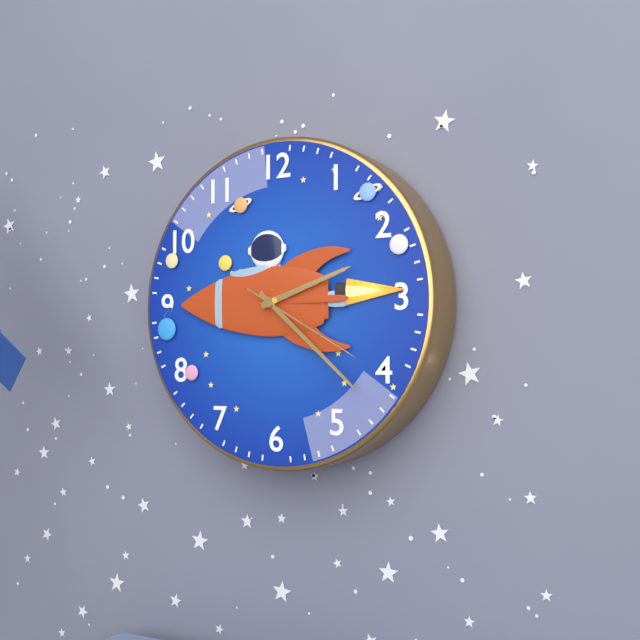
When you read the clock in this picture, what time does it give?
2:22:20
